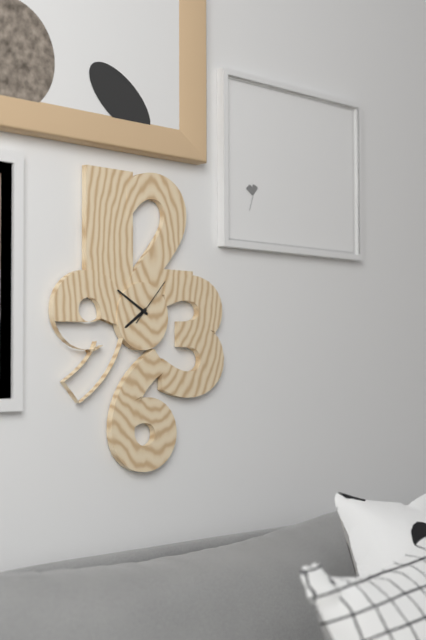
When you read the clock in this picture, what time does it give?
7:50
